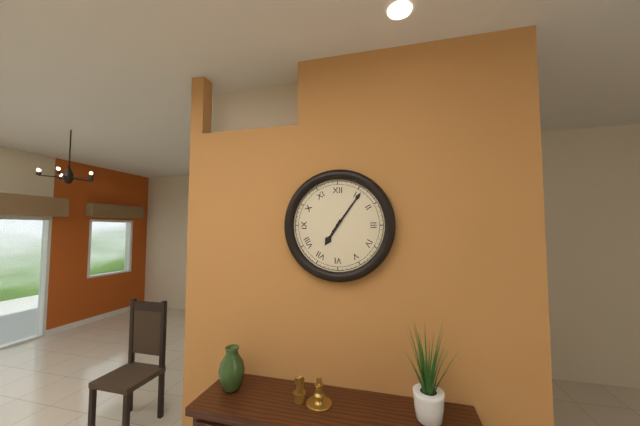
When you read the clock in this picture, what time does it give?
7:06
